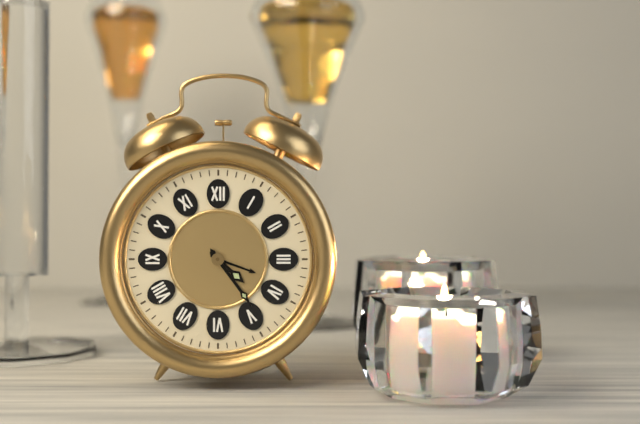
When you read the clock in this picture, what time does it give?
4:24
